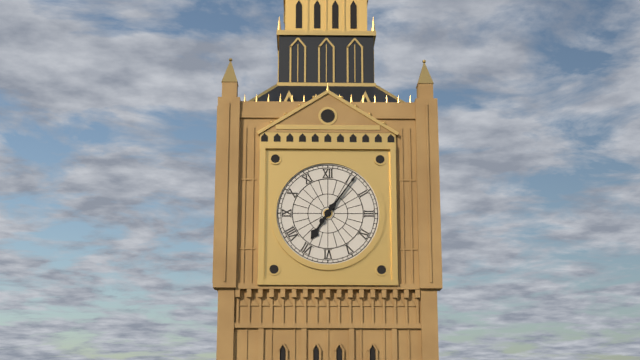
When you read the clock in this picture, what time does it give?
7:06
